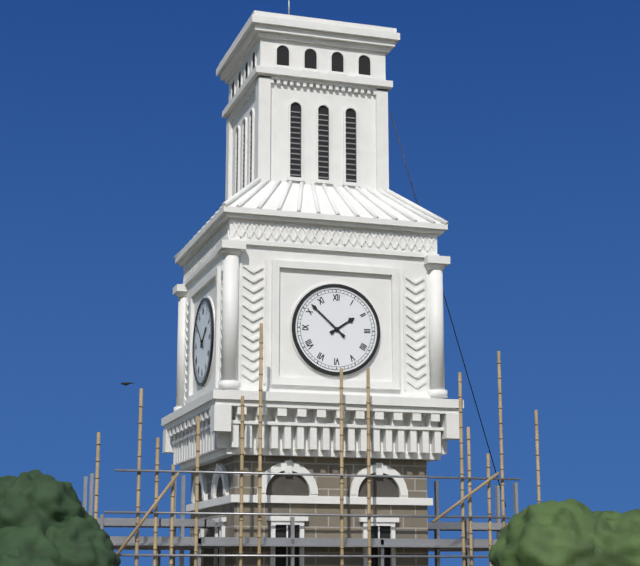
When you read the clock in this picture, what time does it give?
1:52
